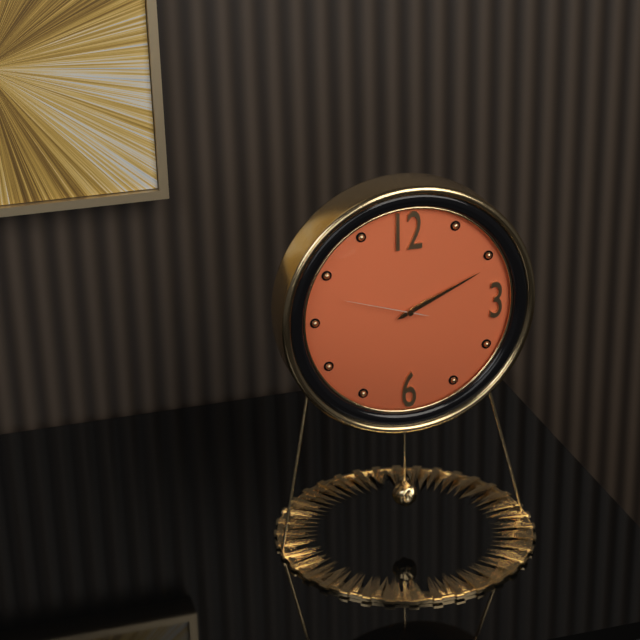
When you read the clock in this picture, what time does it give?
2:11:48
